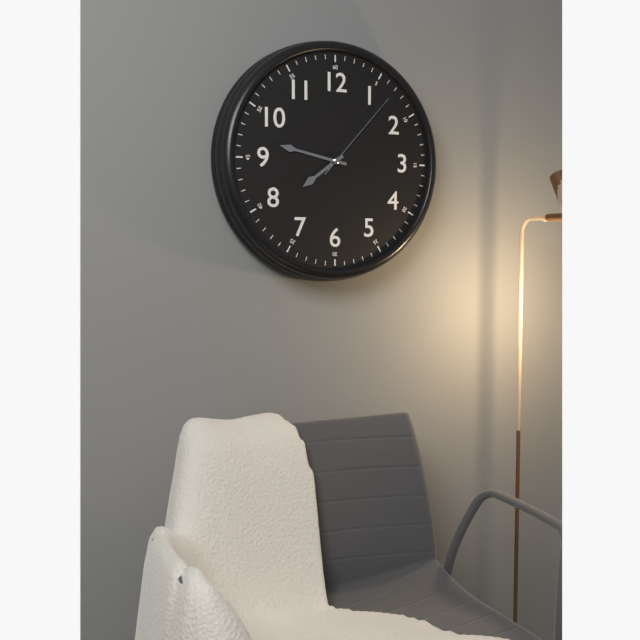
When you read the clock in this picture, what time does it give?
7:47:07
